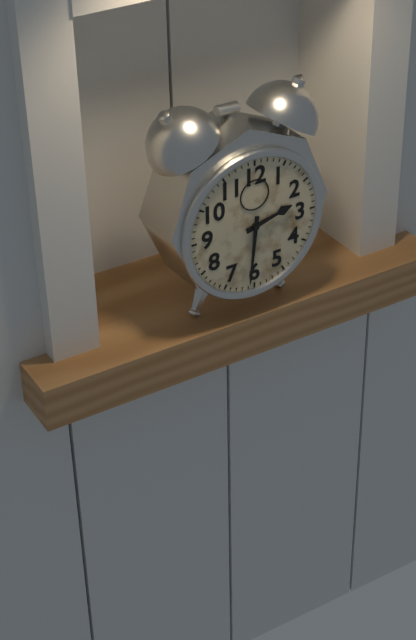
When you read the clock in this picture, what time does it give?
2:31
